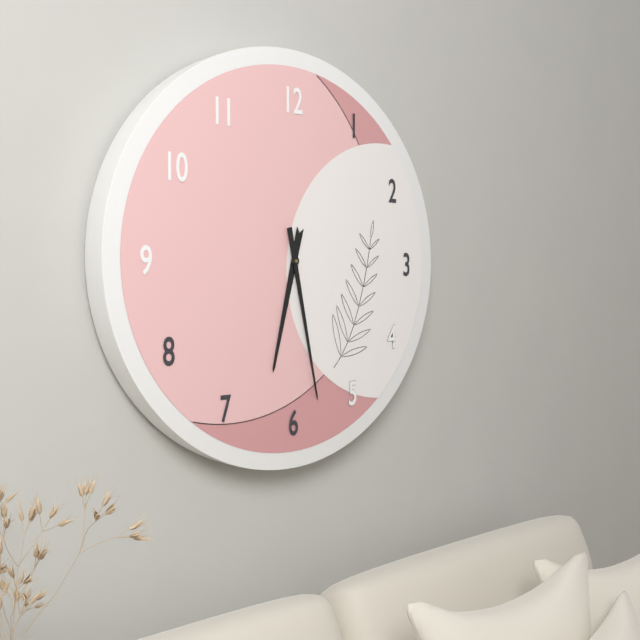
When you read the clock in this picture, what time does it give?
6:28
